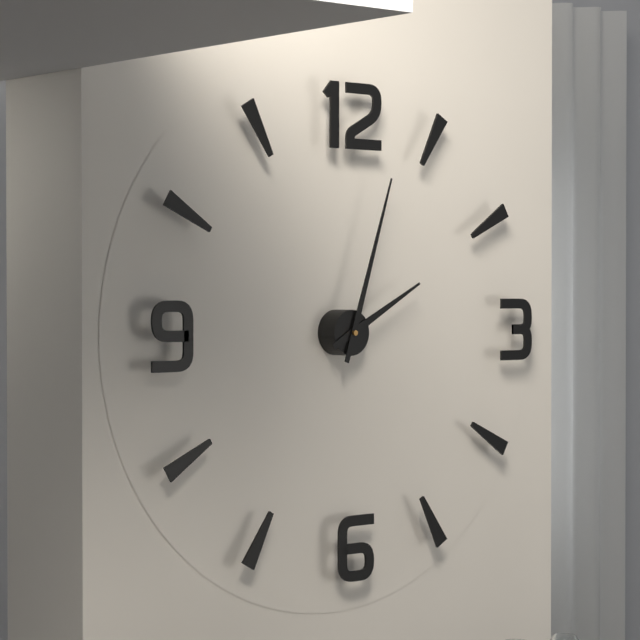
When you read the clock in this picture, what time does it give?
2:03
